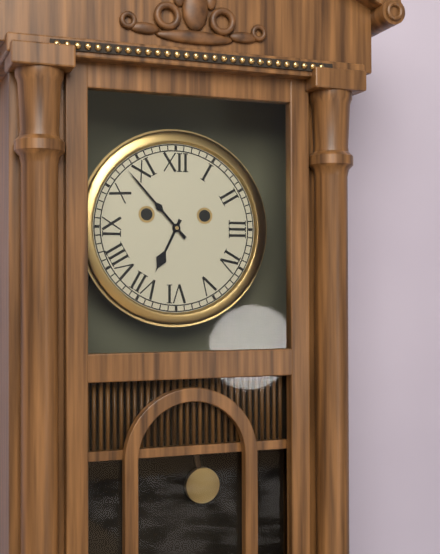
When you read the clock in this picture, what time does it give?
6:53
